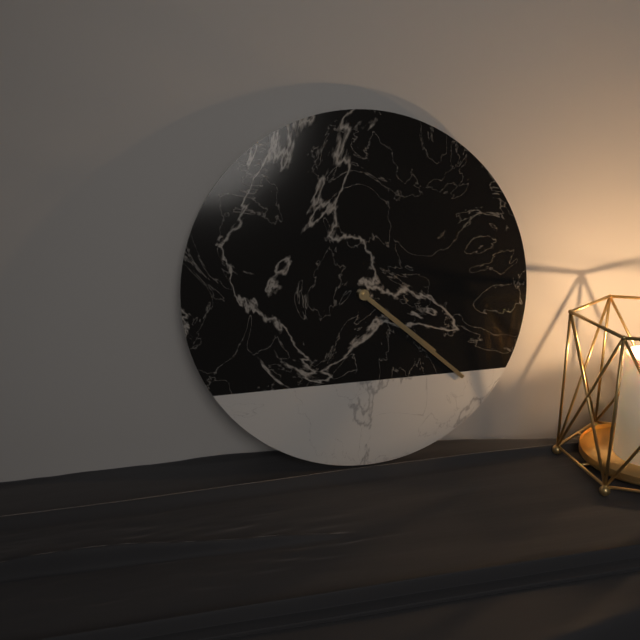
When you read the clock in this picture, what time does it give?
4:22
